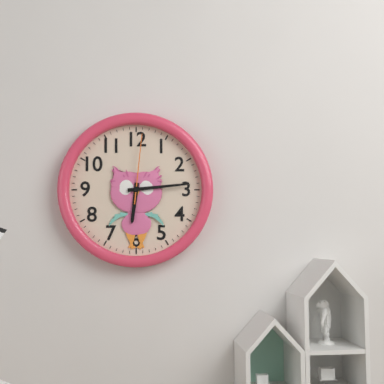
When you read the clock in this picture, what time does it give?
6:14:01
